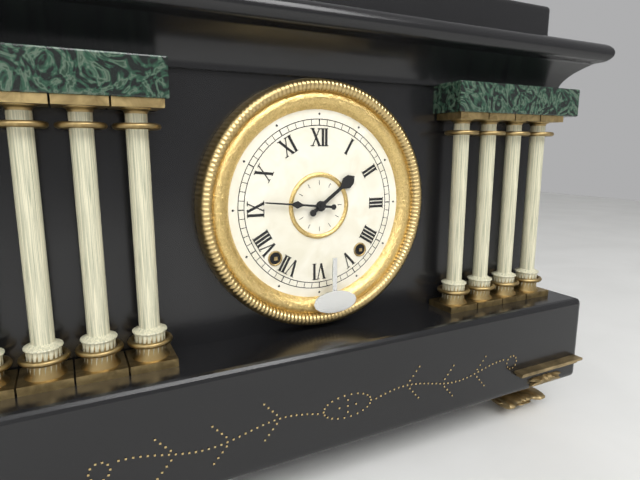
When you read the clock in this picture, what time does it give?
1:46
